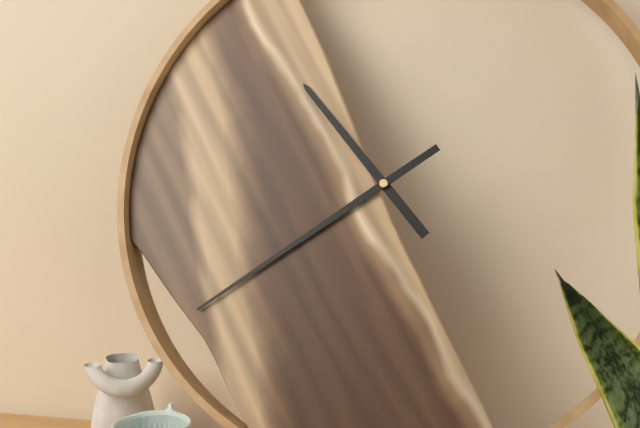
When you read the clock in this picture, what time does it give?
10:39
